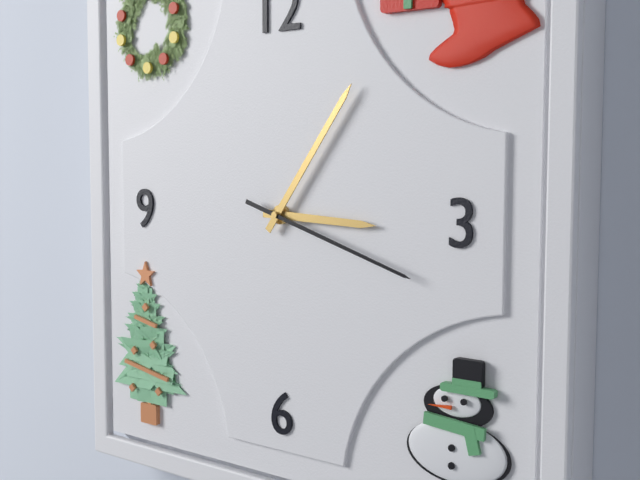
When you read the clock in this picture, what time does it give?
3:06:18
